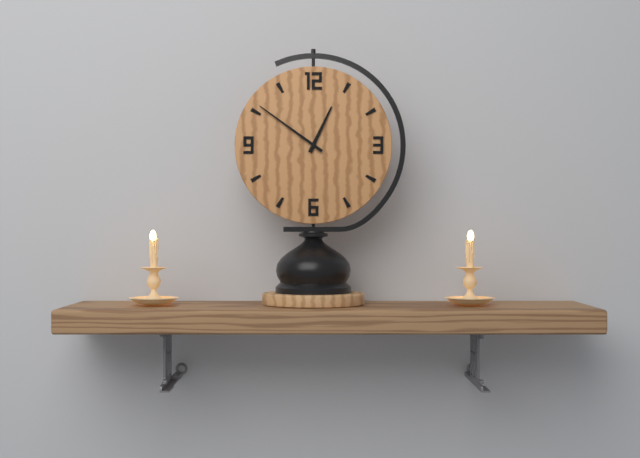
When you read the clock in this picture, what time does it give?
12:51
